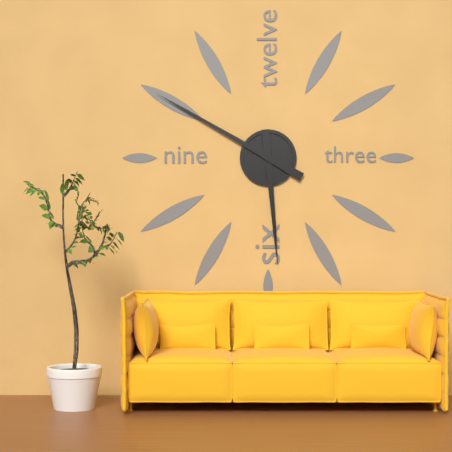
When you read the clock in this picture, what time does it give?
5:50
